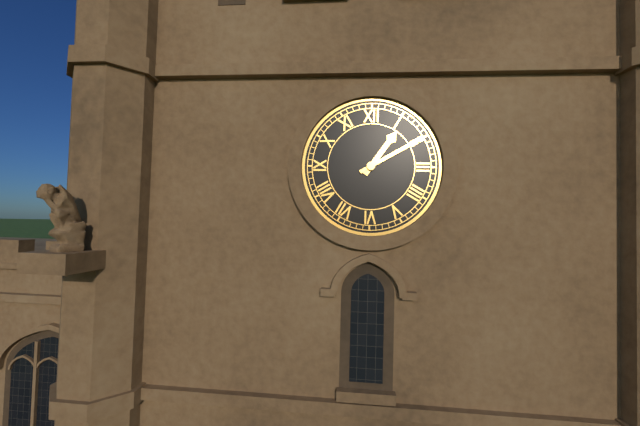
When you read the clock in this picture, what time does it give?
1:10
